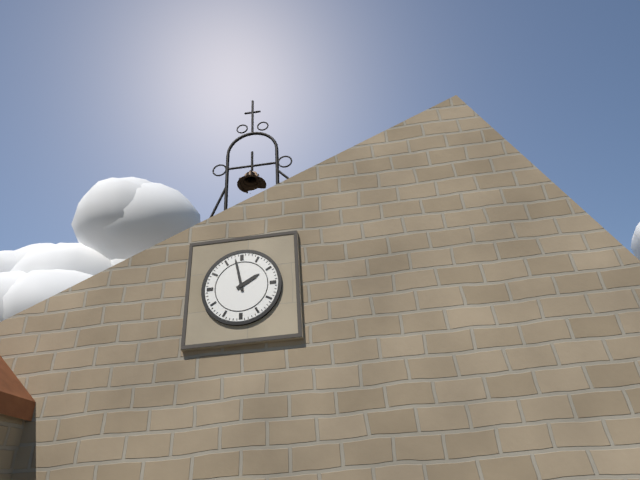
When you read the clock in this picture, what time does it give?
1:58
